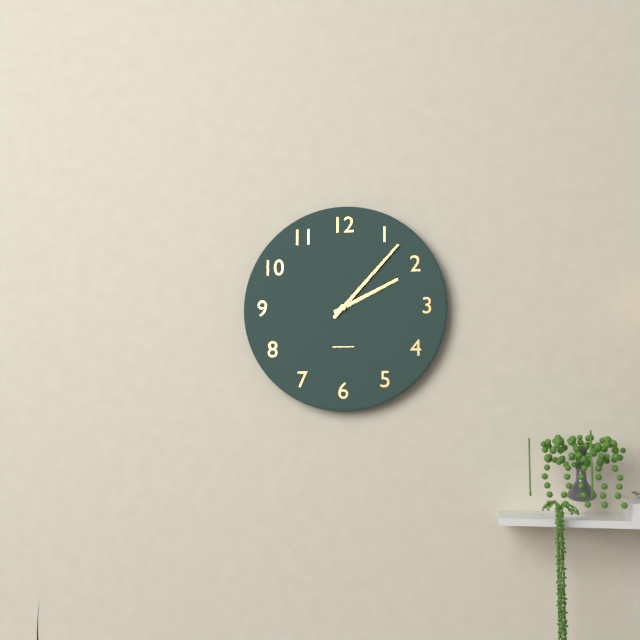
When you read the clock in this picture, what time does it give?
2:07
